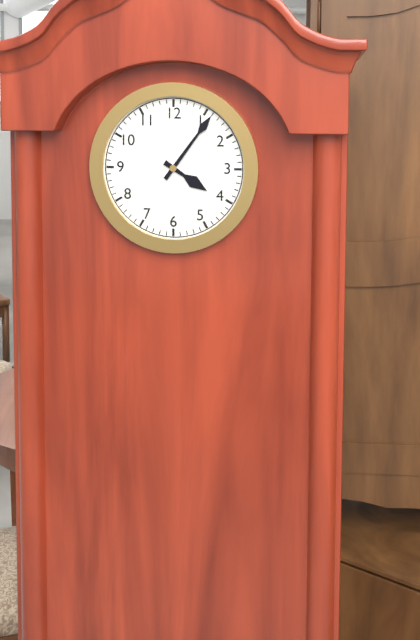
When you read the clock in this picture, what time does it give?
4:06
